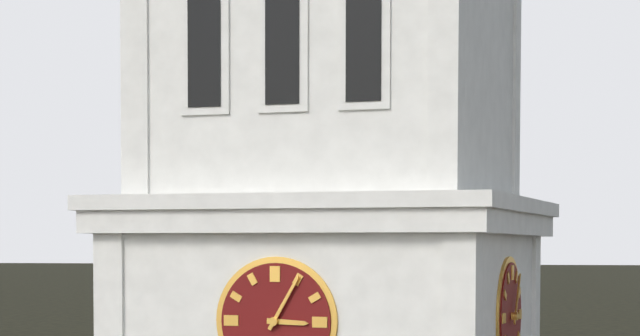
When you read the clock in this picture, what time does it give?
3:05
